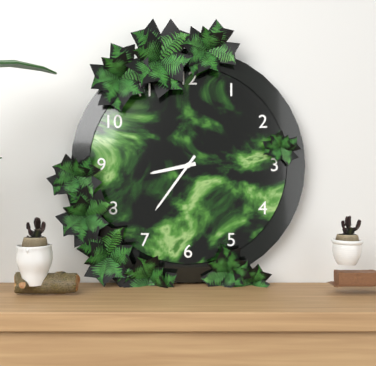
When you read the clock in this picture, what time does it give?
8:36
